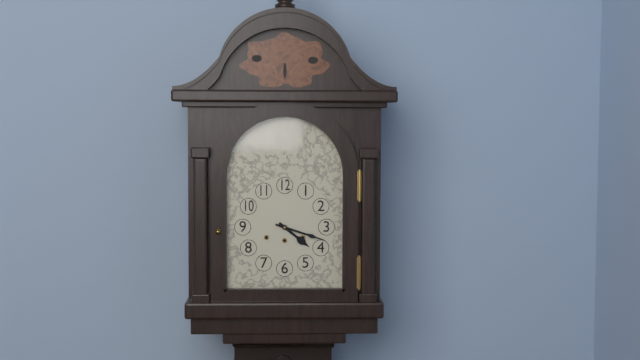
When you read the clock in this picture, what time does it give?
4:18
